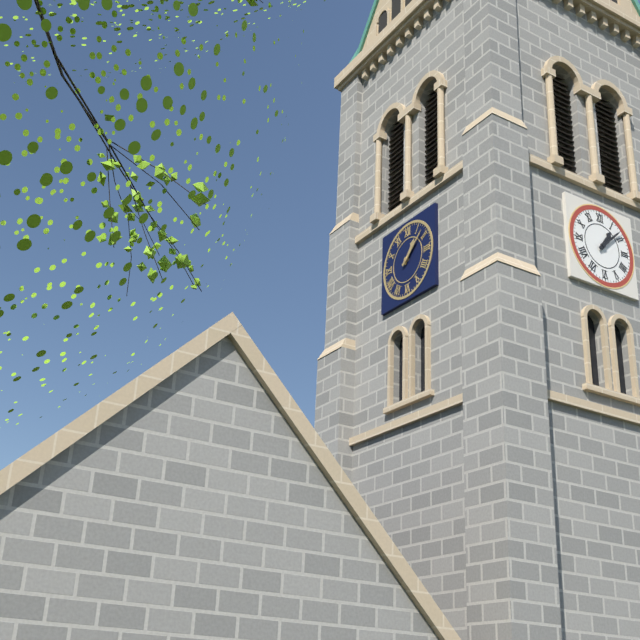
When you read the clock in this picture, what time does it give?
1:08
